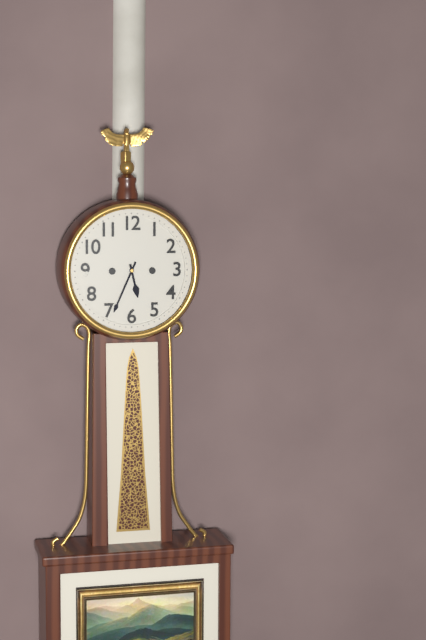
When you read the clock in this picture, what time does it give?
5:34
